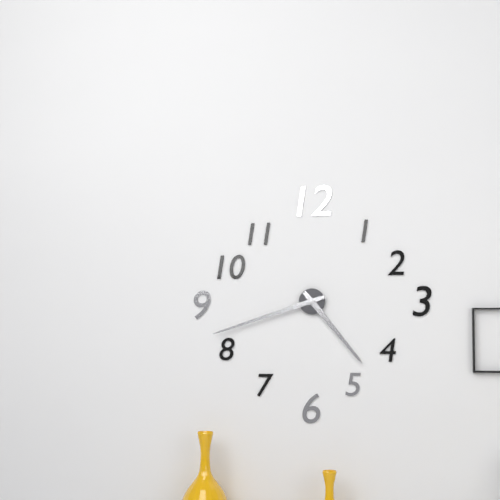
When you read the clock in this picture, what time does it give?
4:42
